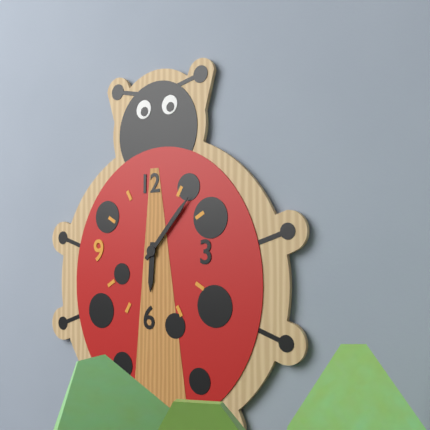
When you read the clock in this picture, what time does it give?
6:07
